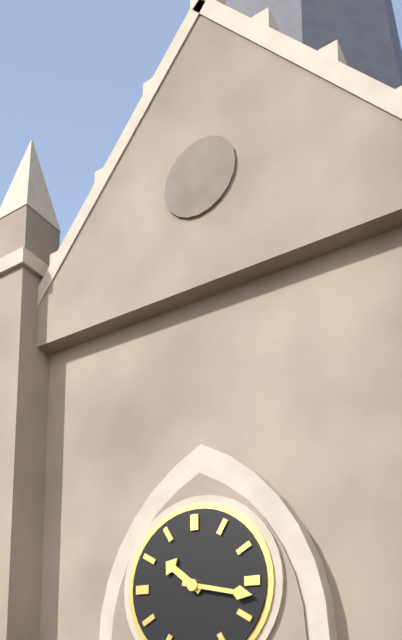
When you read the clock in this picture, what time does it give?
10:17
